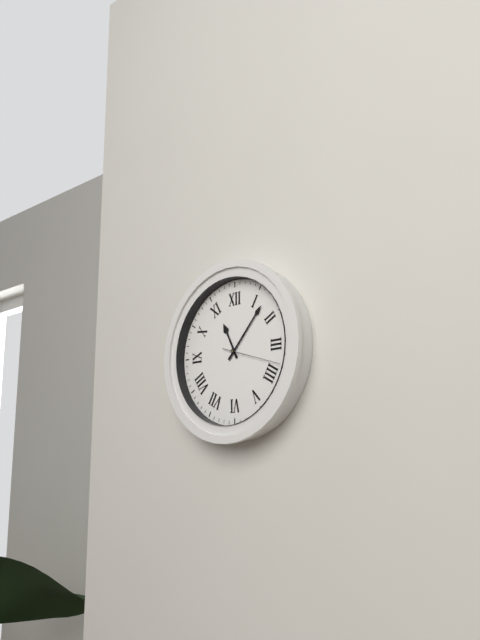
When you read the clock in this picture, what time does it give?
11:07:18
